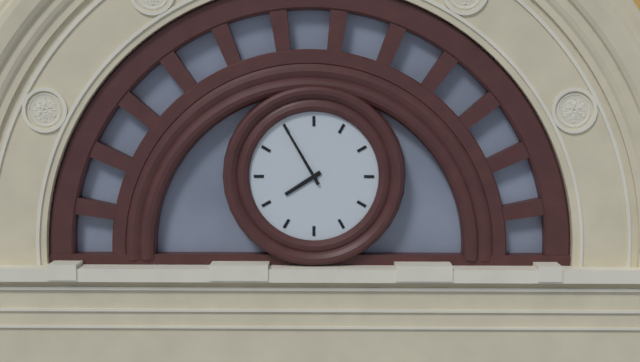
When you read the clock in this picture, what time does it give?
7:55
